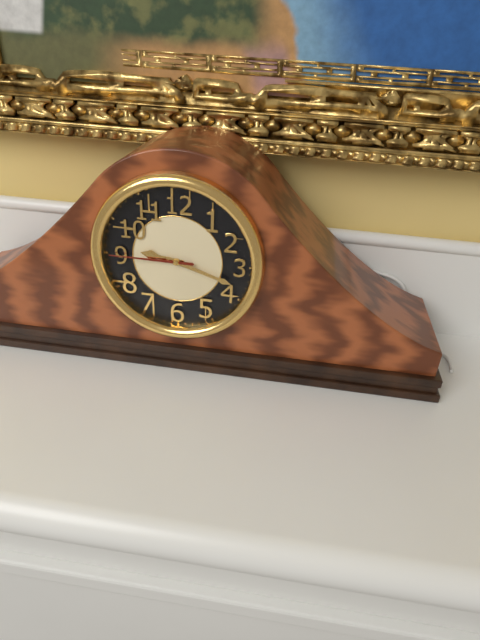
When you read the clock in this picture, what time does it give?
9:18:45
